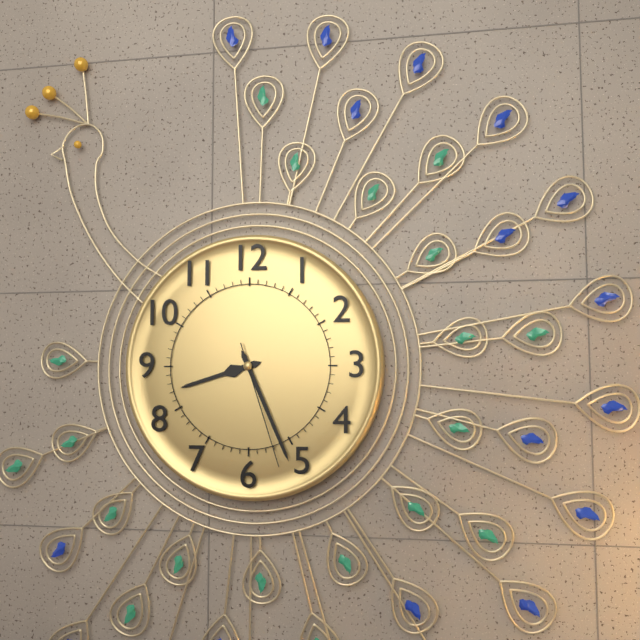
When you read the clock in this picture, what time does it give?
8:26:27
